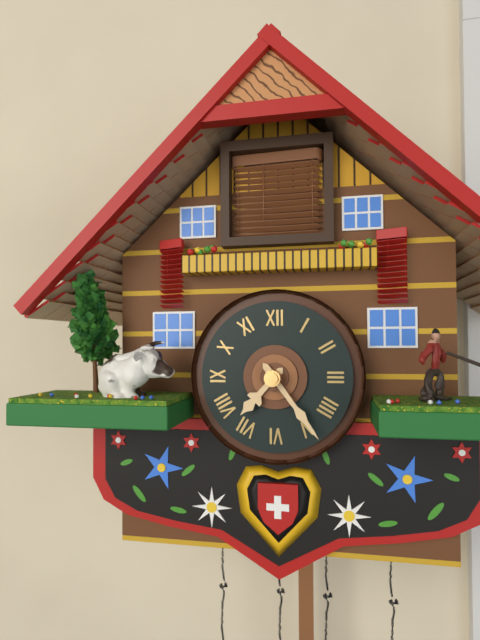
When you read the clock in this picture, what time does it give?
7:24
